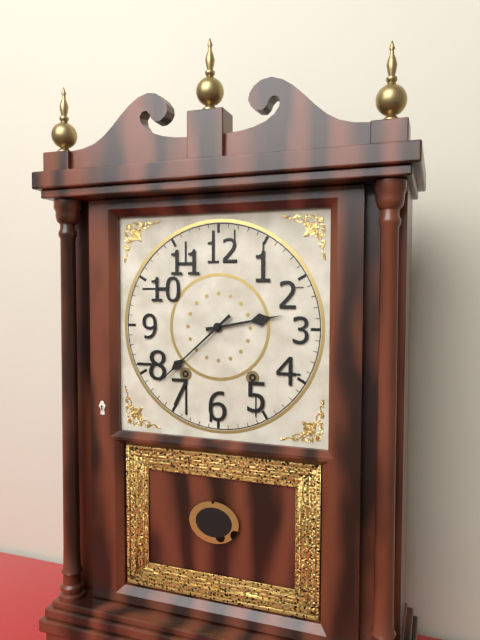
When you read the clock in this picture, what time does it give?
2:38
